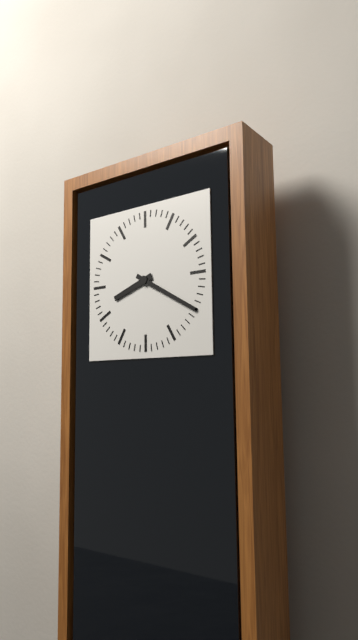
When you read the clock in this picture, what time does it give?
8:20
